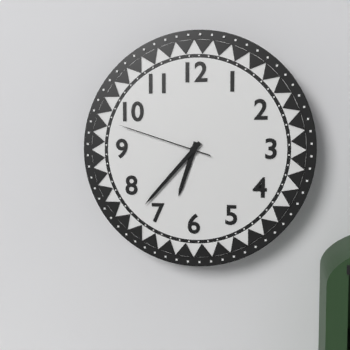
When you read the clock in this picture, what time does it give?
6:37:48
